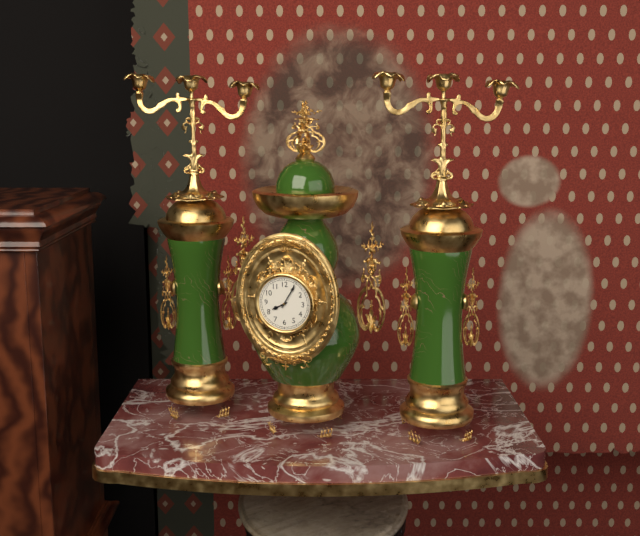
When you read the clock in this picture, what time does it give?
8:05
